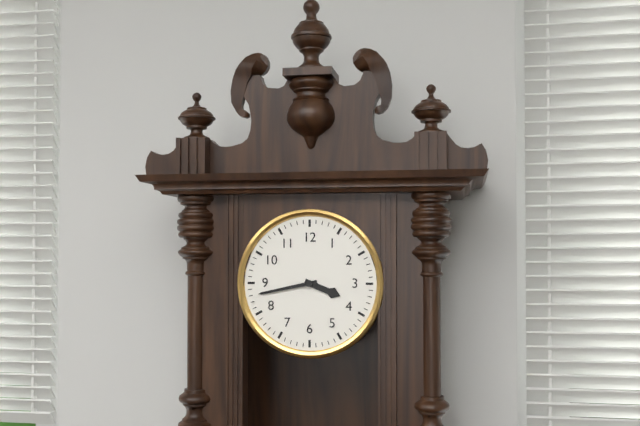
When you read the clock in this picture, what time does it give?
3:43
